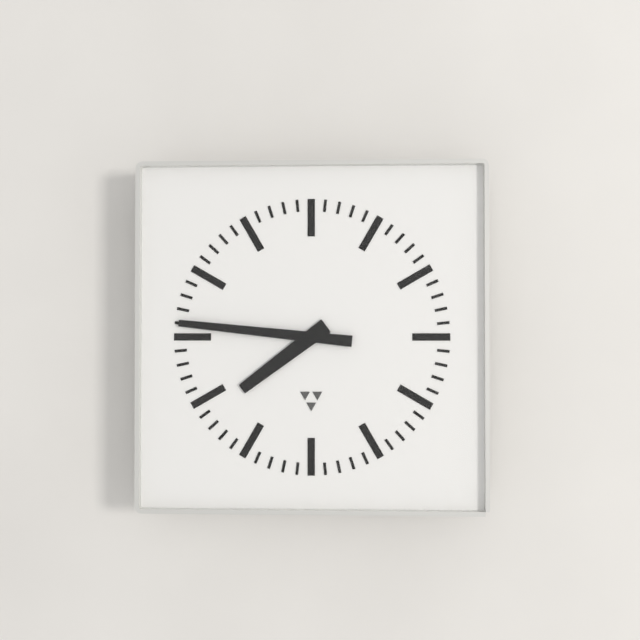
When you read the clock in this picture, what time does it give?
7:46
